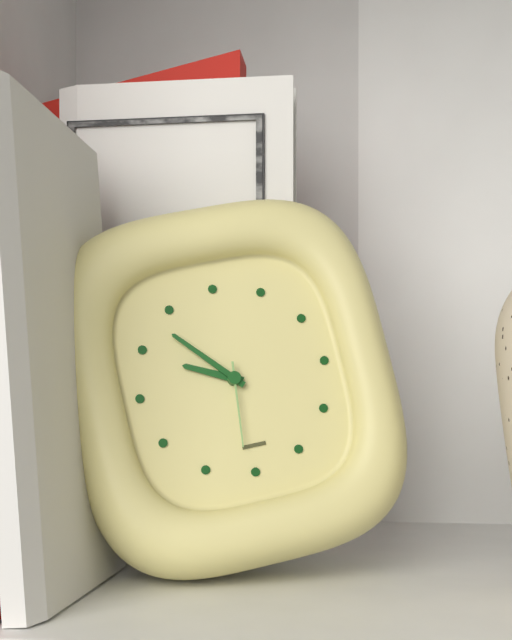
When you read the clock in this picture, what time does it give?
9:53:31
